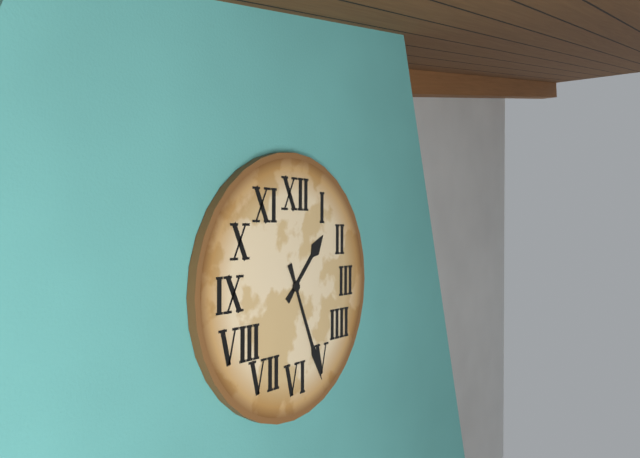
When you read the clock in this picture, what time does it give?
1:26
